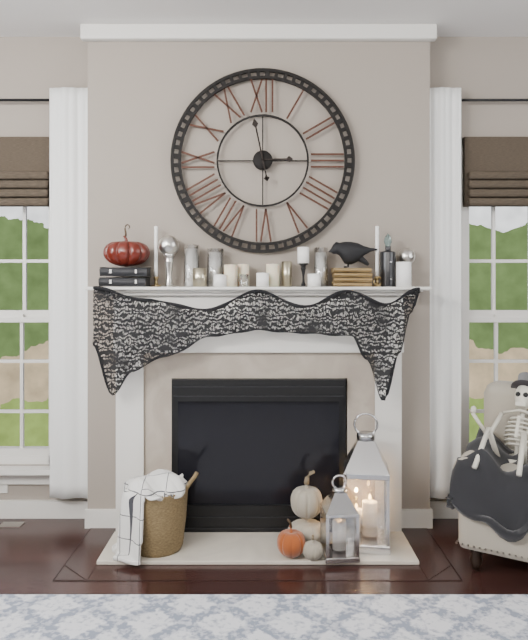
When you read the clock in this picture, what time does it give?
2:58
